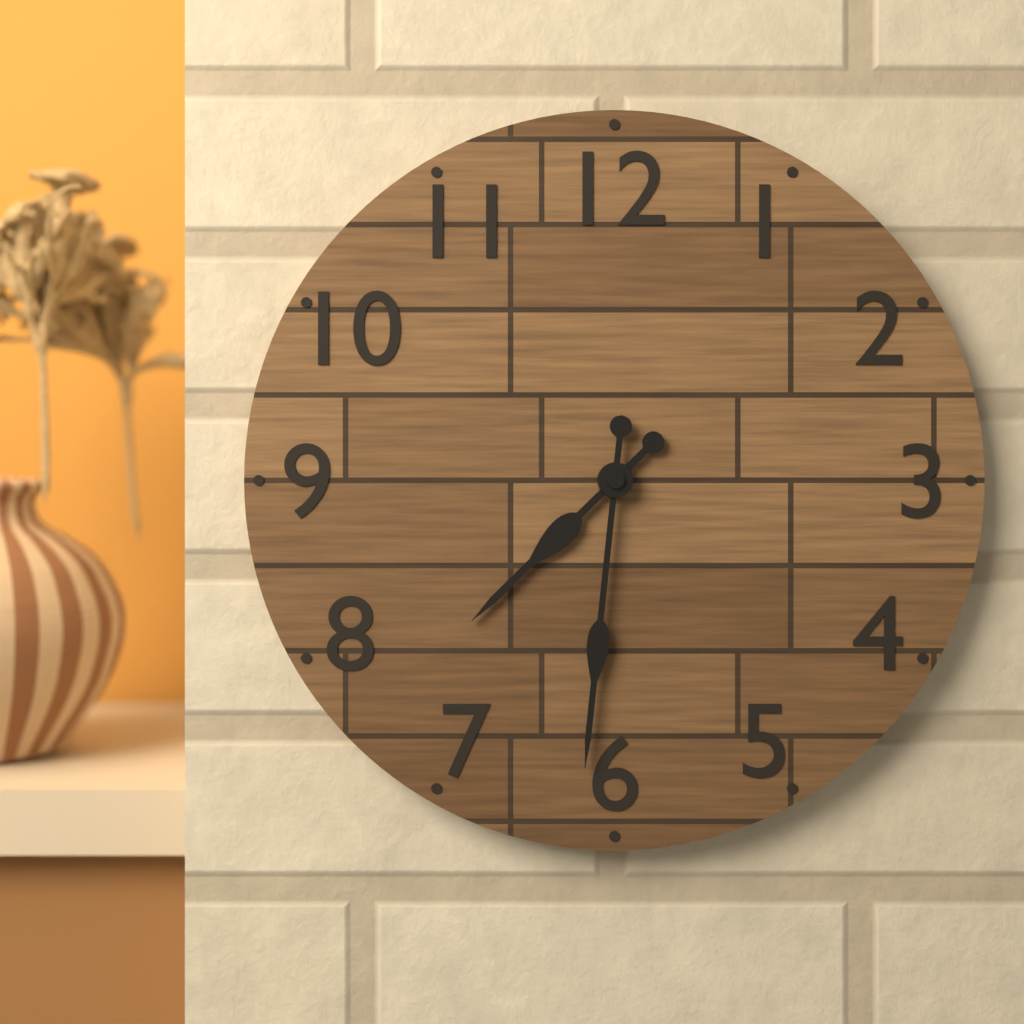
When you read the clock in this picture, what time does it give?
7:31
